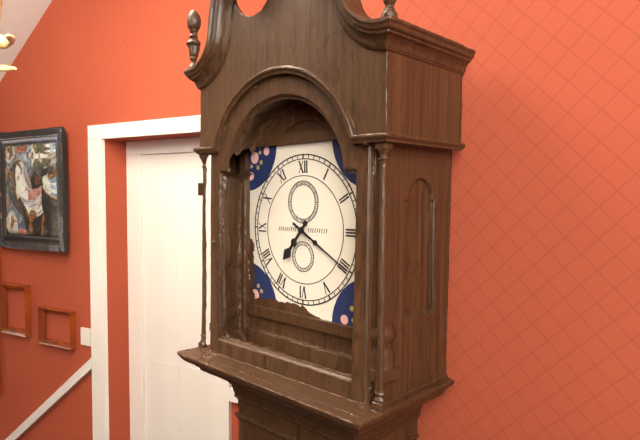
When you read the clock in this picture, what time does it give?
7:20
